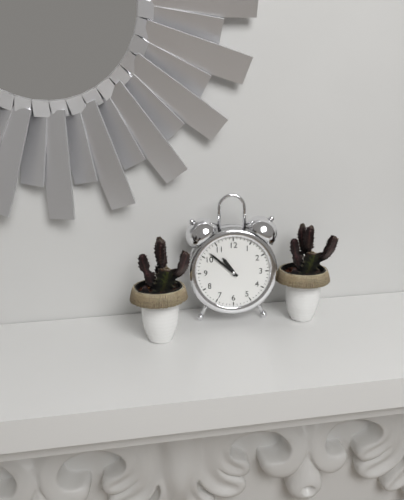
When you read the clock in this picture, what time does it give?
10:52
